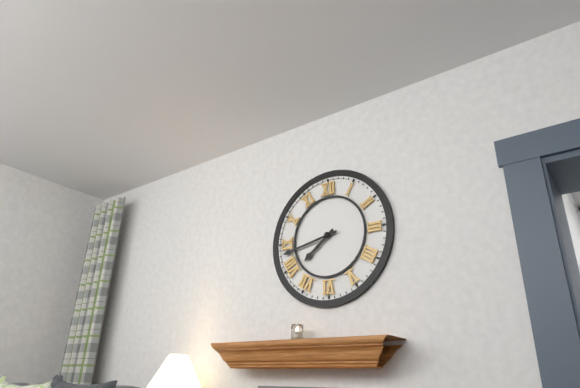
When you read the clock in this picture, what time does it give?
7:43
